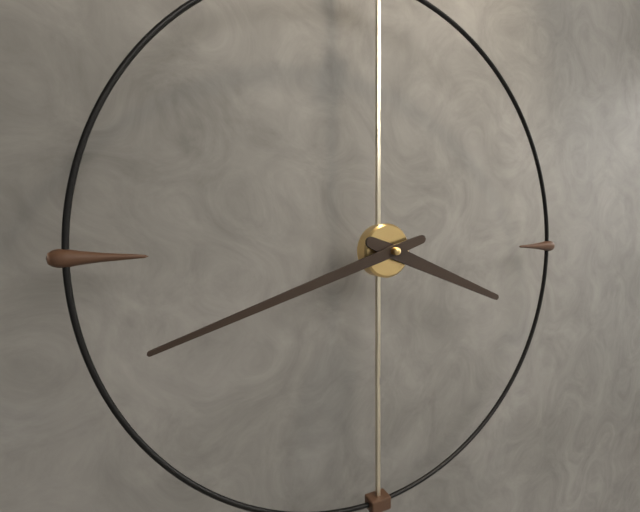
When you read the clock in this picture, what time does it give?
3:42
